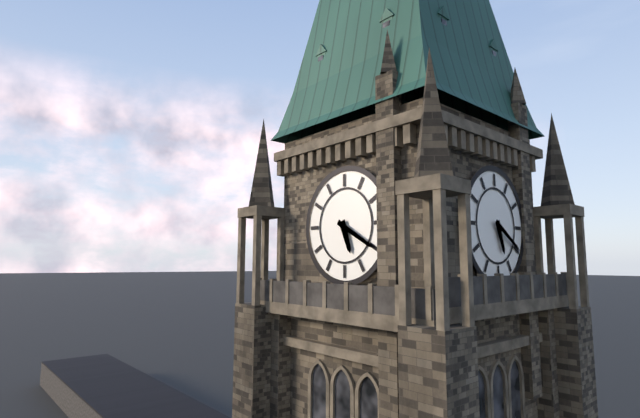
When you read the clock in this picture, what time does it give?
5:20
